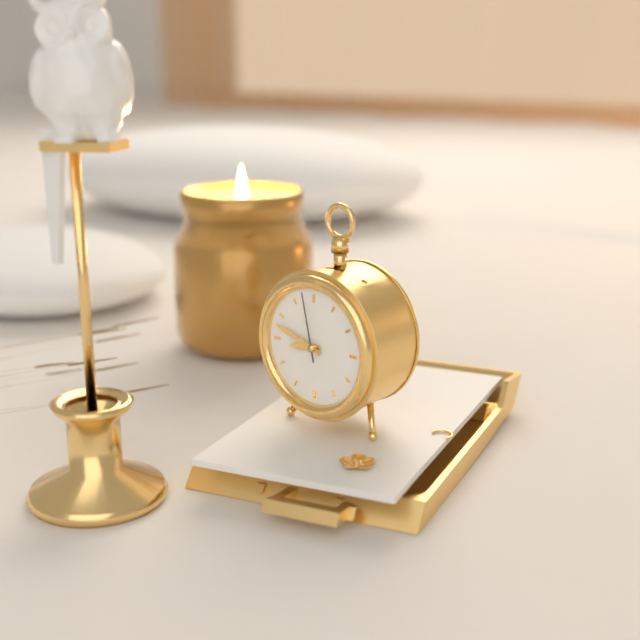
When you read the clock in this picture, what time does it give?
8:48:58
